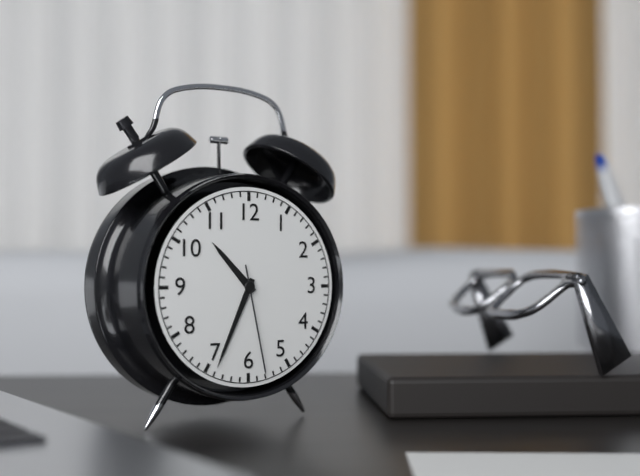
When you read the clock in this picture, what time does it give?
10:34:28
